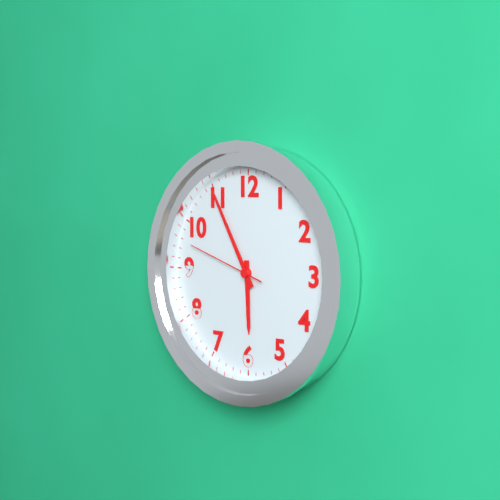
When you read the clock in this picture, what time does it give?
5:55:48
